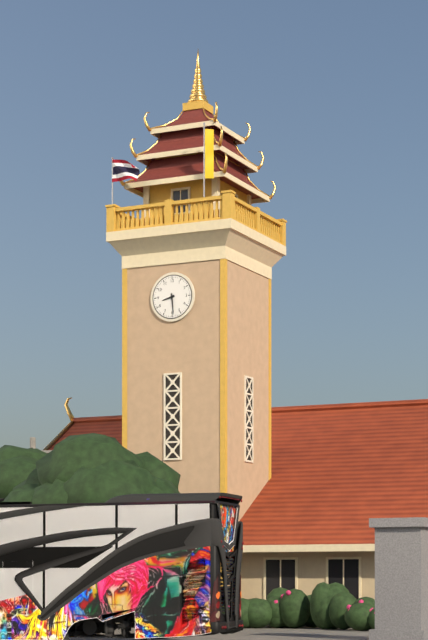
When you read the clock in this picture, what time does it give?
8:29
